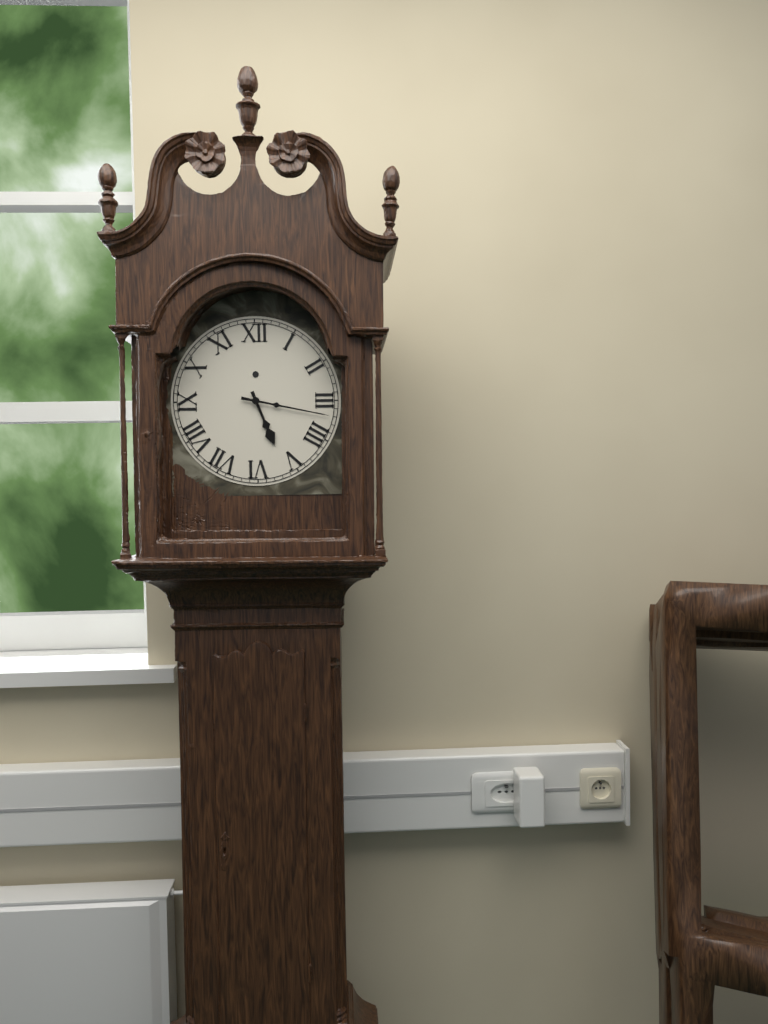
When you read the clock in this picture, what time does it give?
5:17
